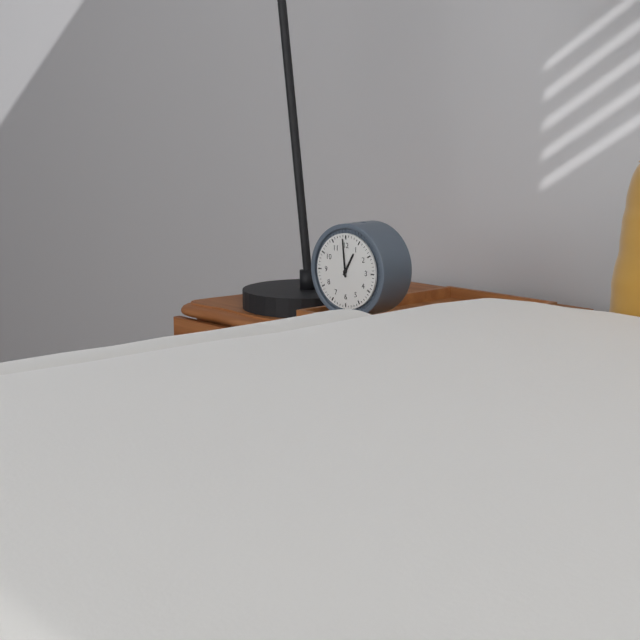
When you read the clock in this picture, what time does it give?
12:59
